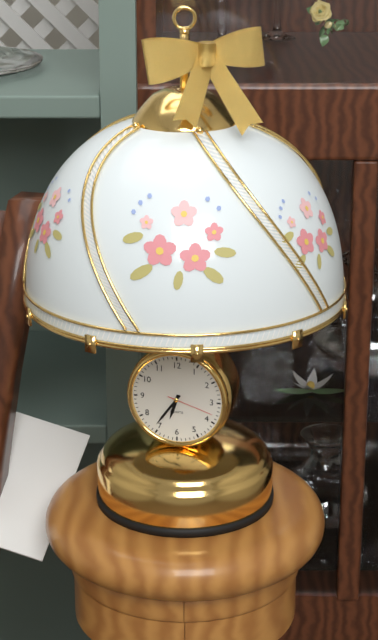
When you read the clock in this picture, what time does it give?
6:36
